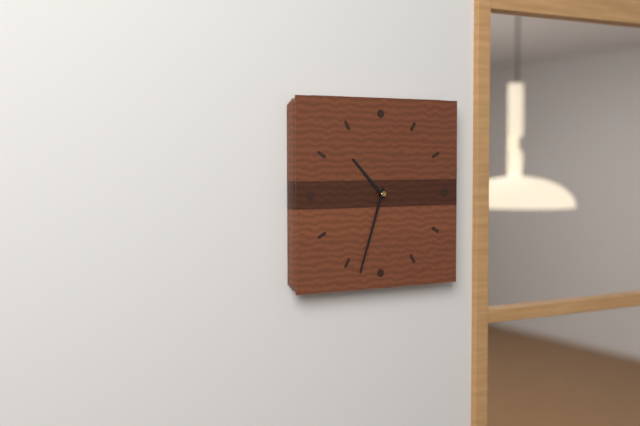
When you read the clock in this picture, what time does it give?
10:33
